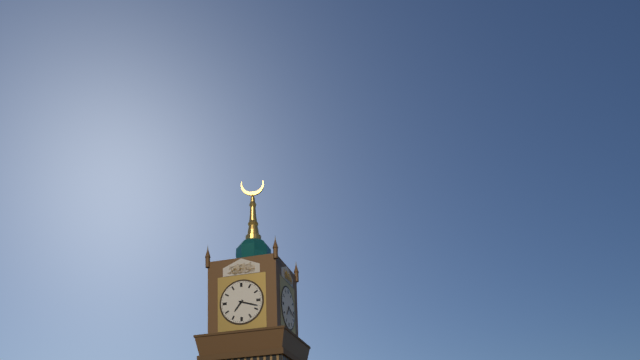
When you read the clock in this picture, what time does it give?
7:18
